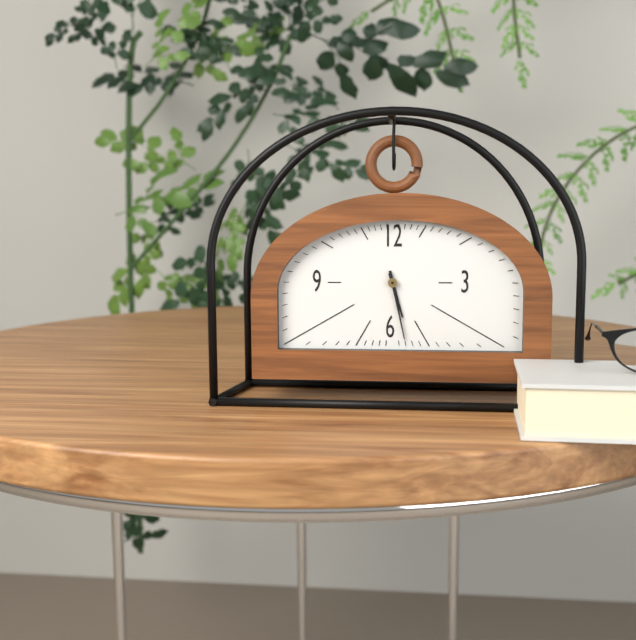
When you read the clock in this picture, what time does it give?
5:28
